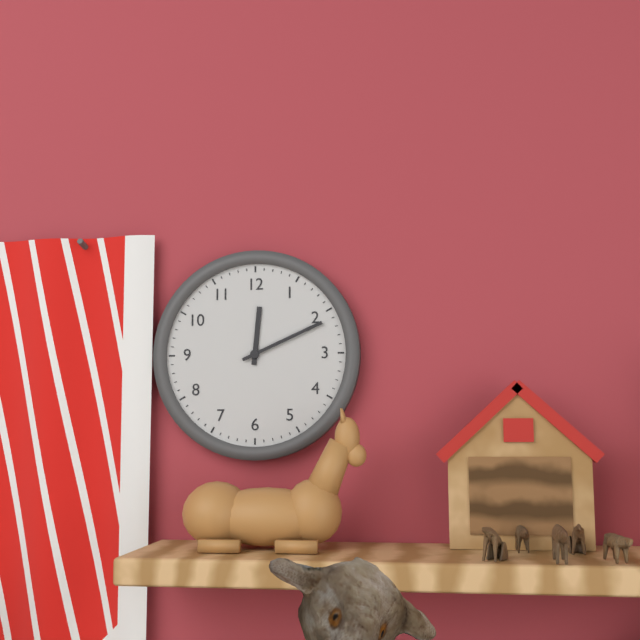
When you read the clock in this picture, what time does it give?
12:11
